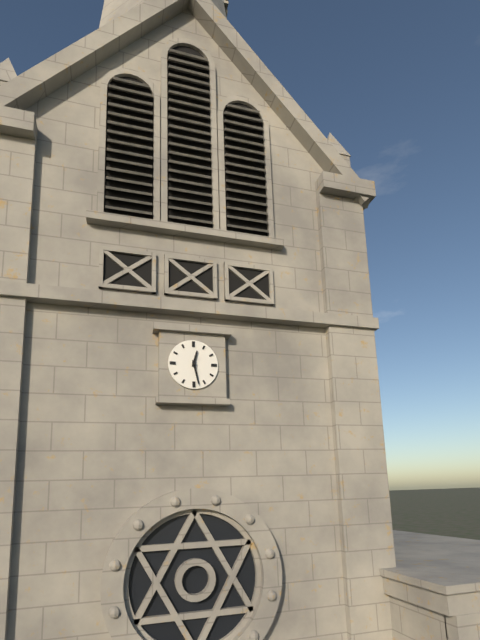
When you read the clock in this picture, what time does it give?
12:28
